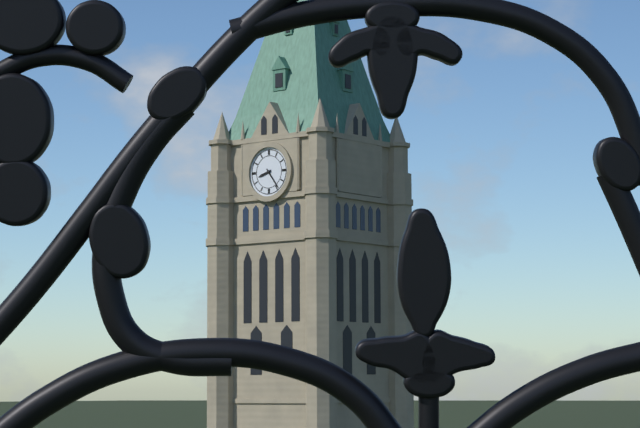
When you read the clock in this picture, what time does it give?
8:24
